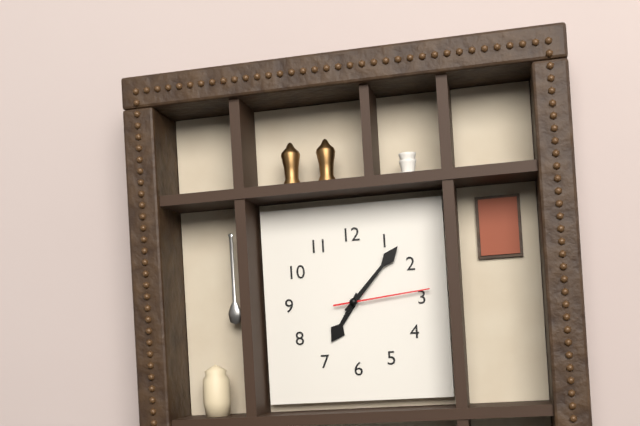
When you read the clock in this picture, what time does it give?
7:07:14
